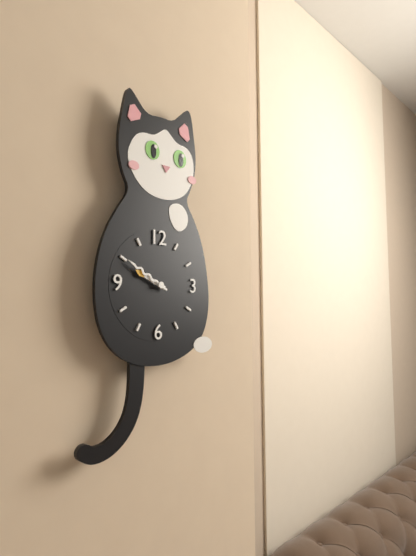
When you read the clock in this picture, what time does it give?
9:50
